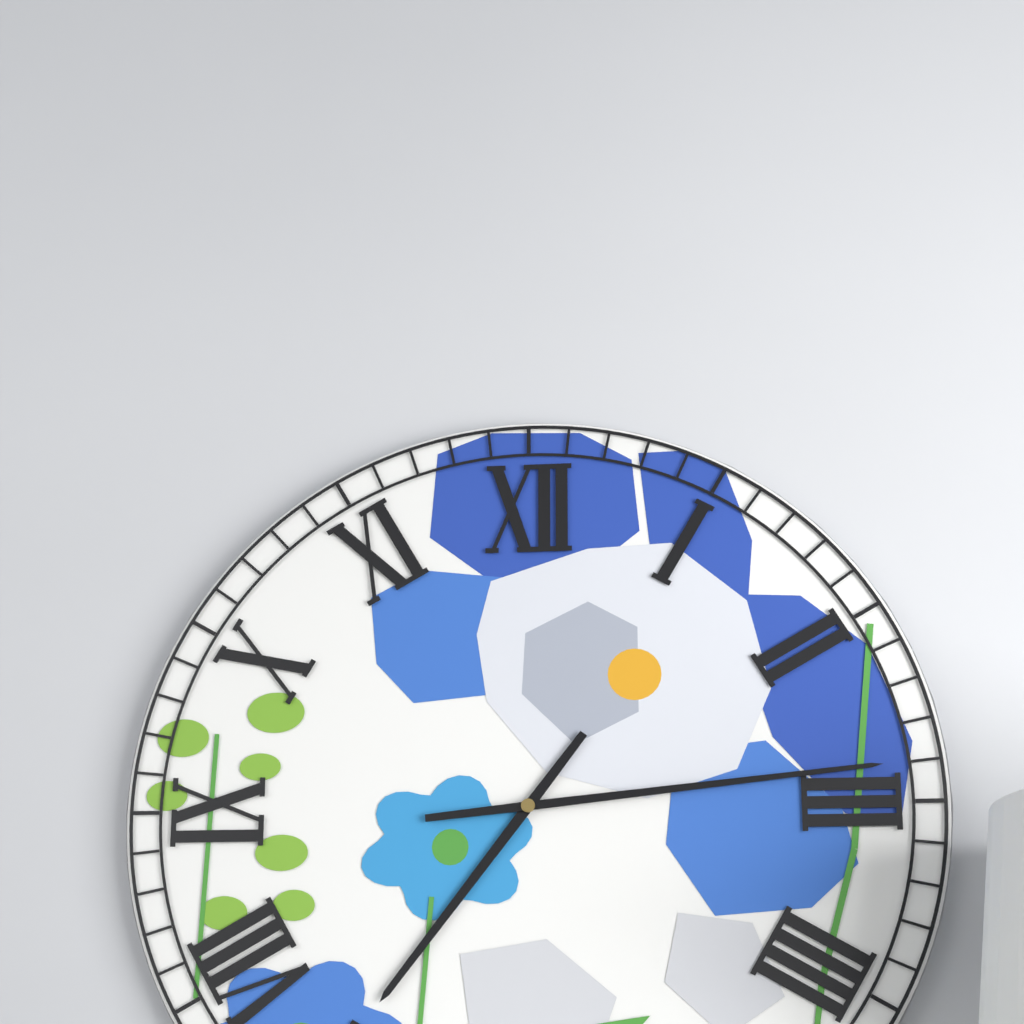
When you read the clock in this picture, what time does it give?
7:14
